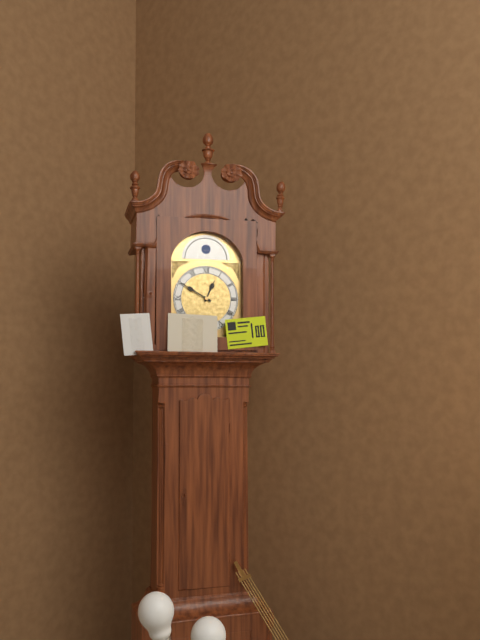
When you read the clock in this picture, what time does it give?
12:50
